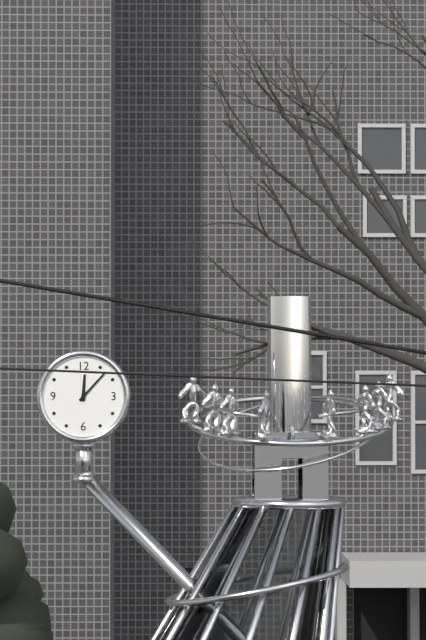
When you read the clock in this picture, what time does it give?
12:07
